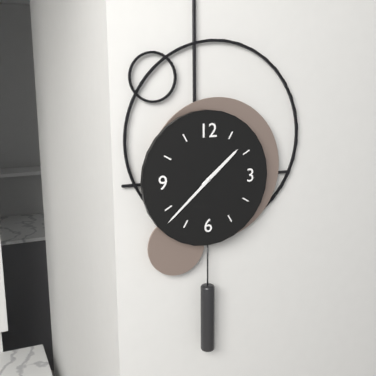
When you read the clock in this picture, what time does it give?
1:38
